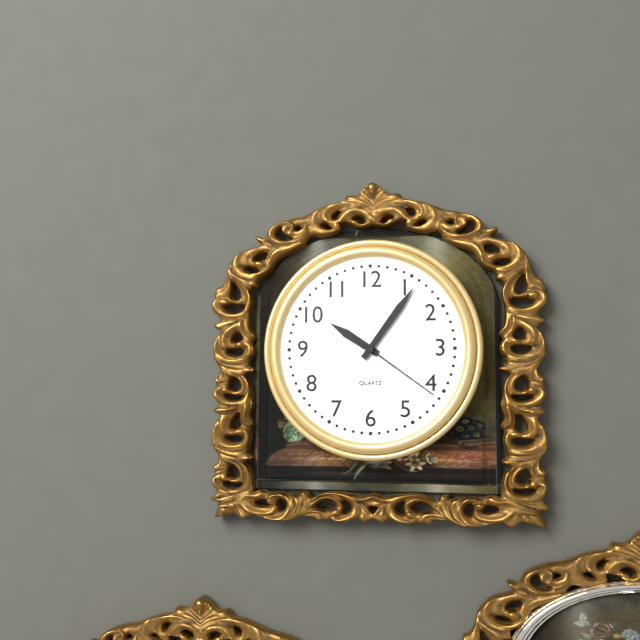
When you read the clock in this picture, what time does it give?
10:06:21
